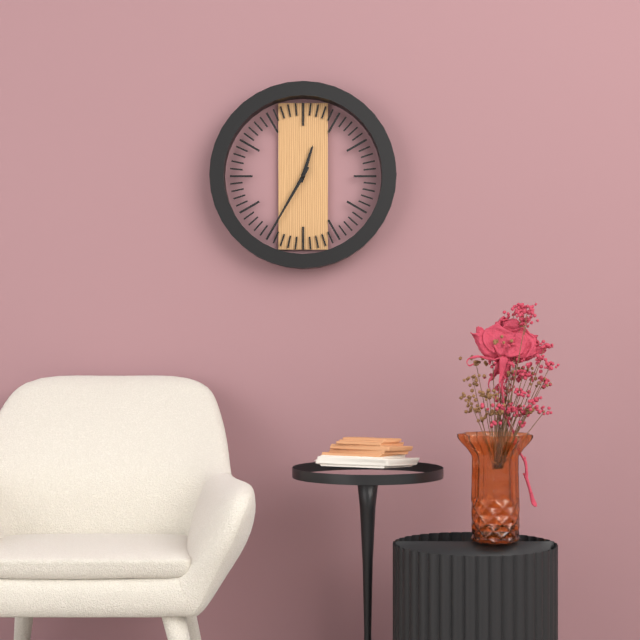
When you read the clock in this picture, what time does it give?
12:35
